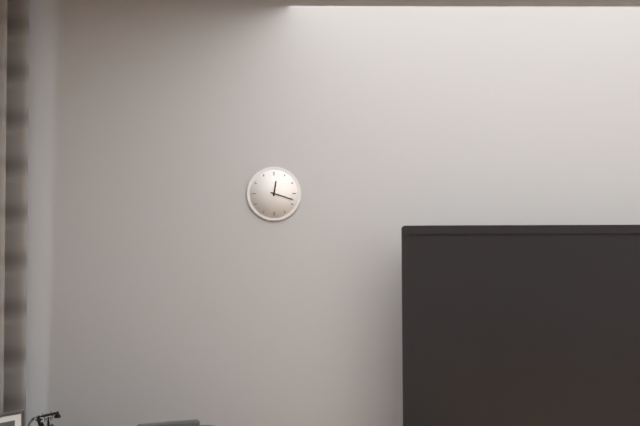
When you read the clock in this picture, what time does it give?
12:18
